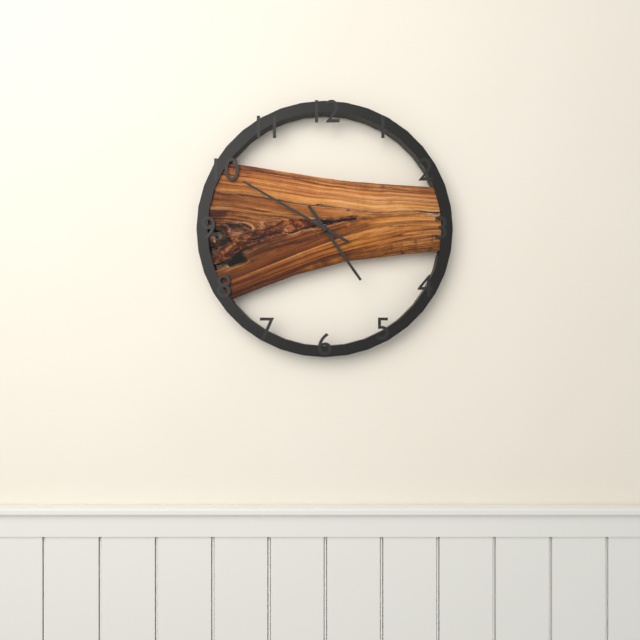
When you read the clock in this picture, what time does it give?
4:50
